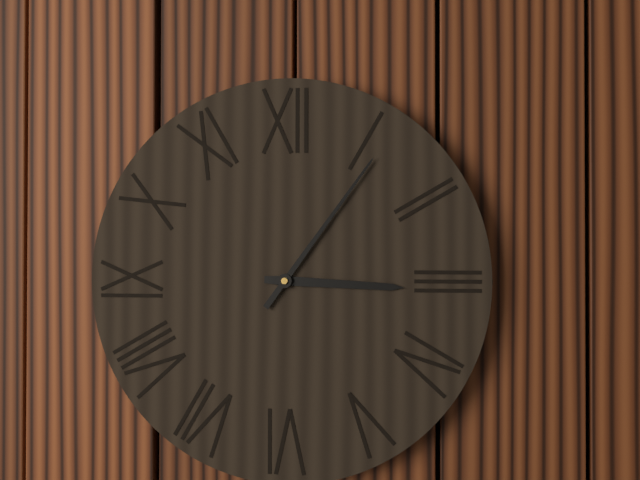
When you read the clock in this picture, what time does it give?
3:06
